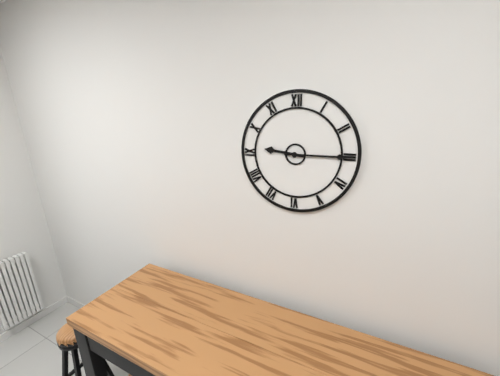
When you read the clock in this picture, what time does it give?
9:15
